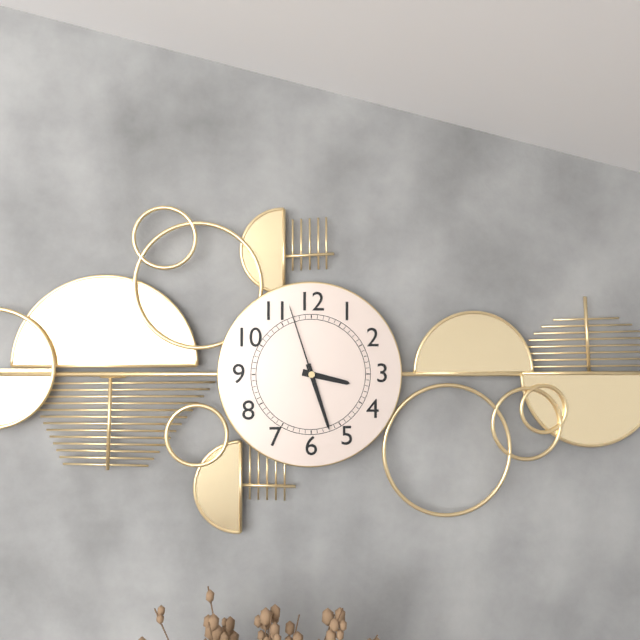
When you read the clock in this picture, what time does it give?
3:27:57
